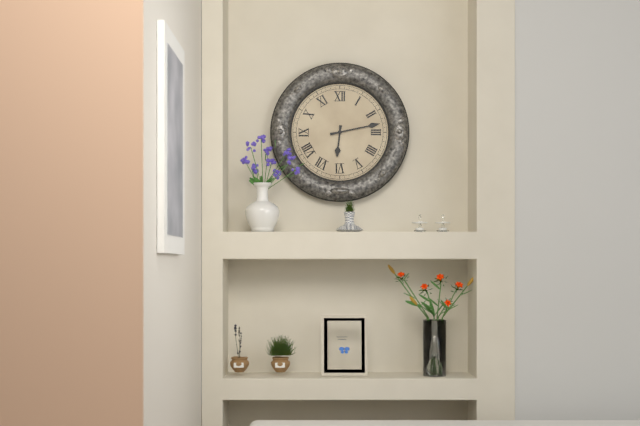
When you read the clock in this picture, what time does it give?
6:13
